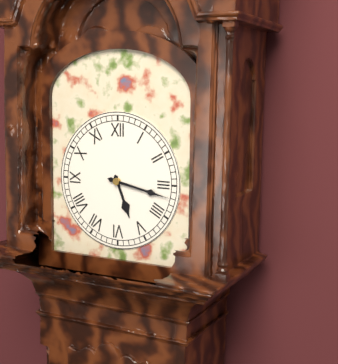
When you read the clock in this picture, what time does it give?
5:17
